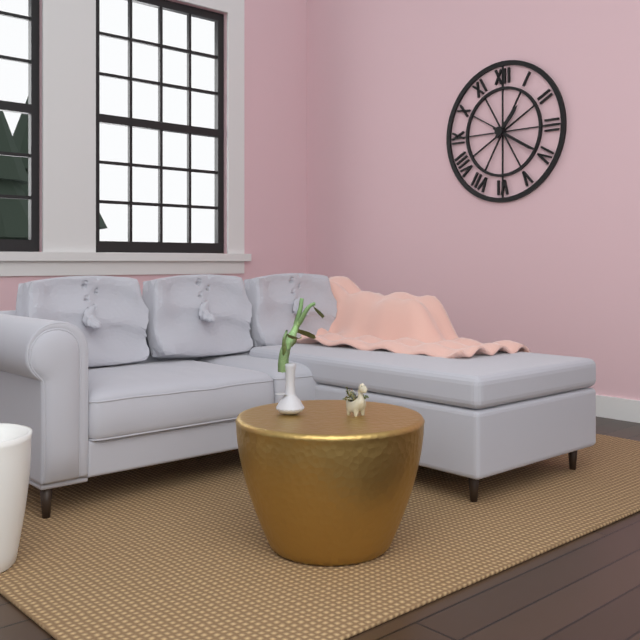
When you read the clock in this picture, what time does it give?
1:20
